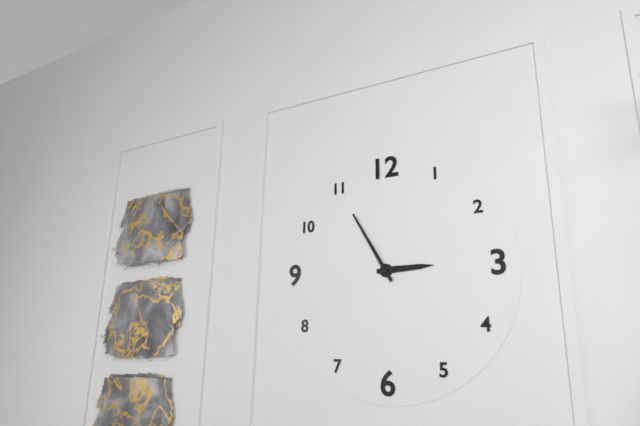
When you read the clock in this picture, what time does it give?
2:55
